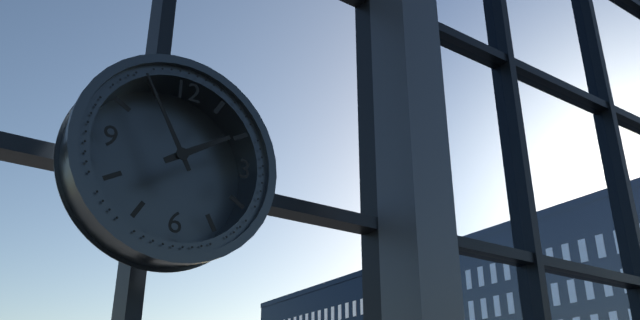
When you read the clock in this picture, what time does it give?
1:55
